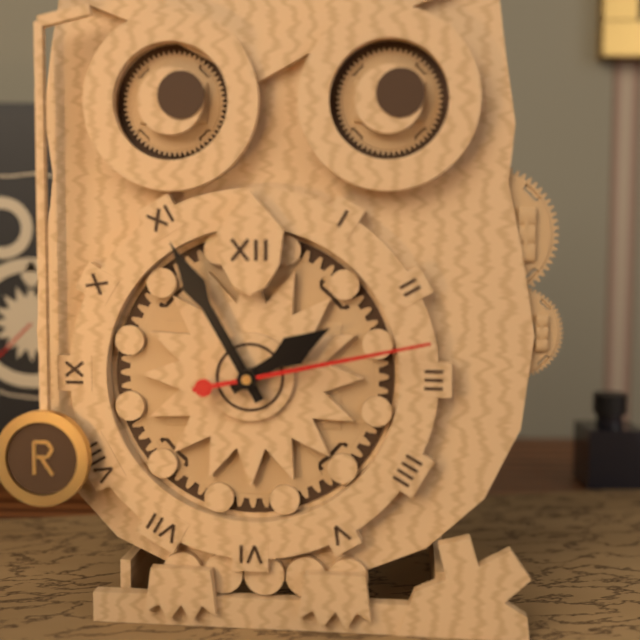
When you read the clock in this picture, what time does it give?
1:55:13
